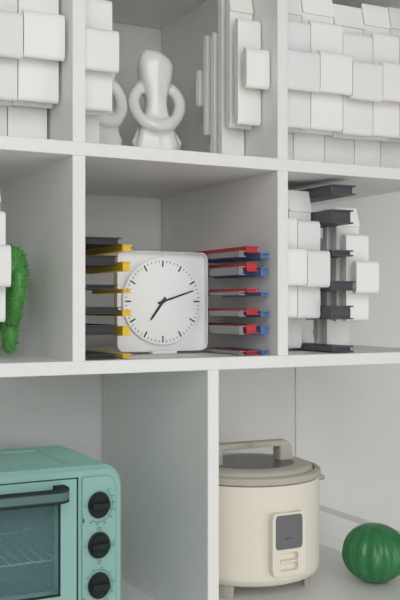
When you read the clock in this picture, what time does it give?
7:12
